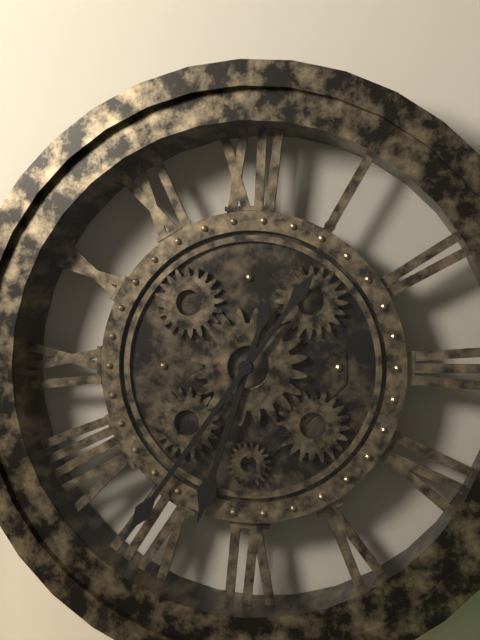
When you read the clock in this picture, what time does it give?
6:36
